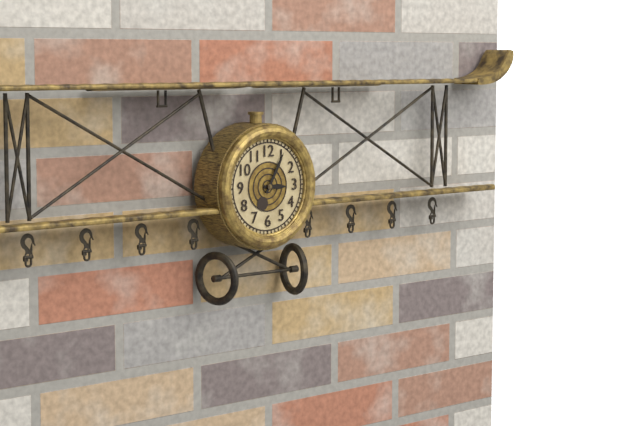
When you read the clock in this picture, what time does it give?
3:05
